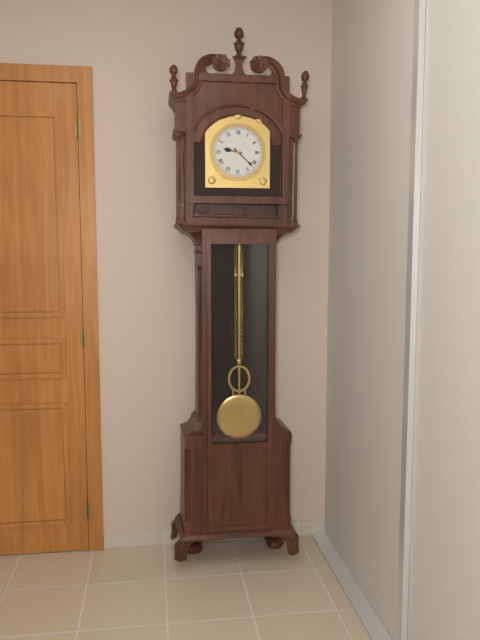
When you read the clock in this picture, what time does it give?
9:22
